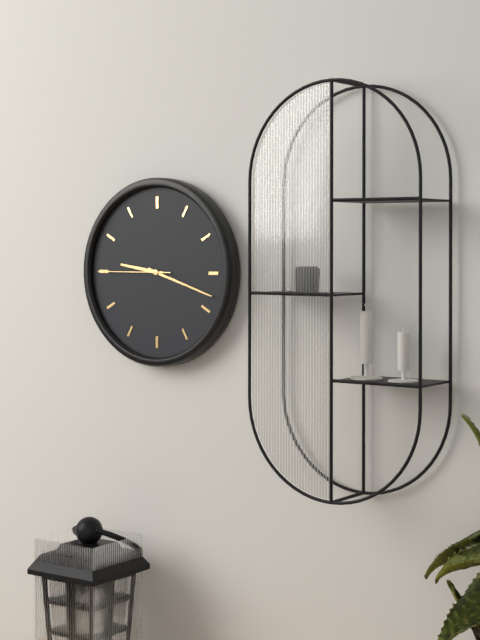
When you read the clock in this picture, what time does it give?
9:18:45
